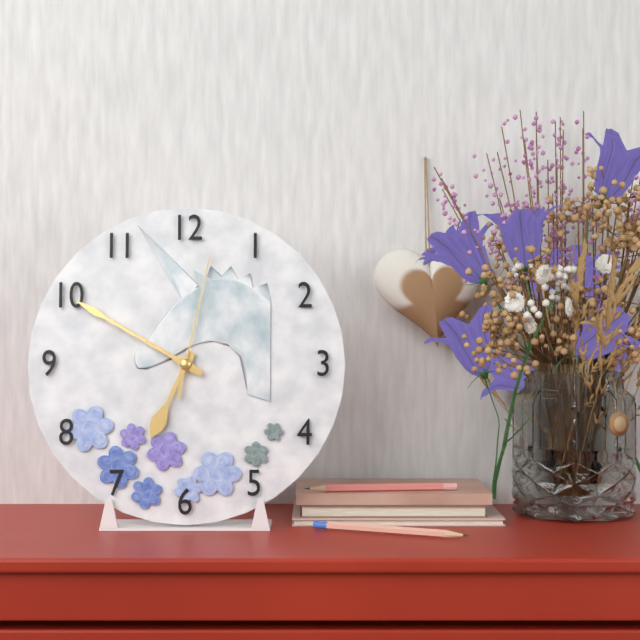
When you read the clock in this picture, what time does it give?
6:50:02
